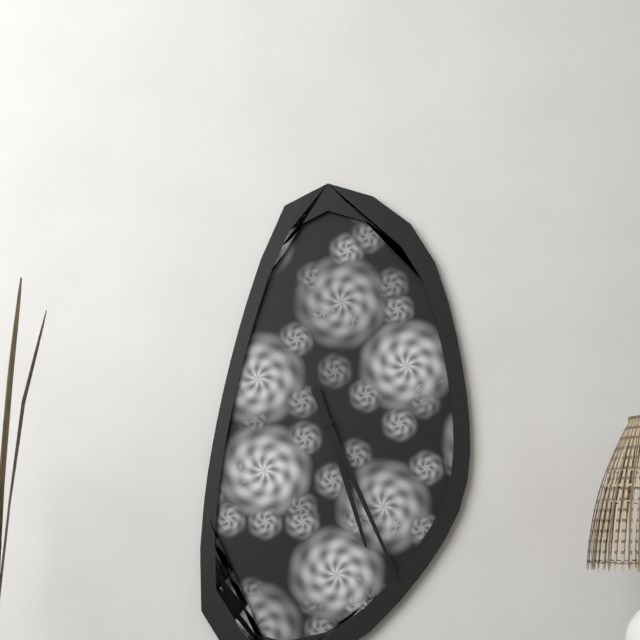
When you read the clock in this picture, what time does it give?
5:26
